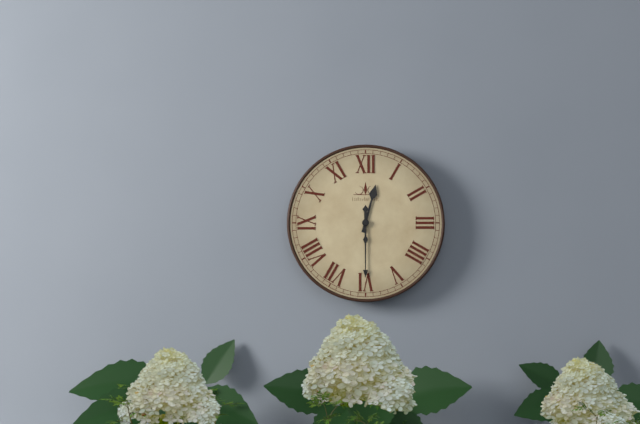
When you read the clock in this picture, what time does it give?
12:30
